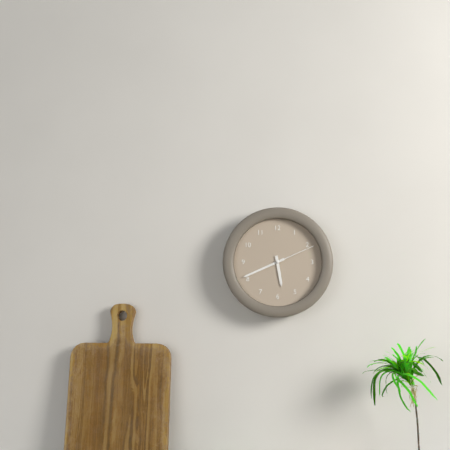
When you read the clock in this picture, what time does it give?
5:41:11
